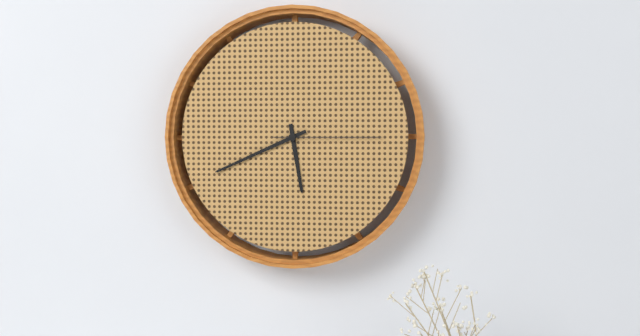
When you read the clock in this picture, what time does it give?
5:41:15
